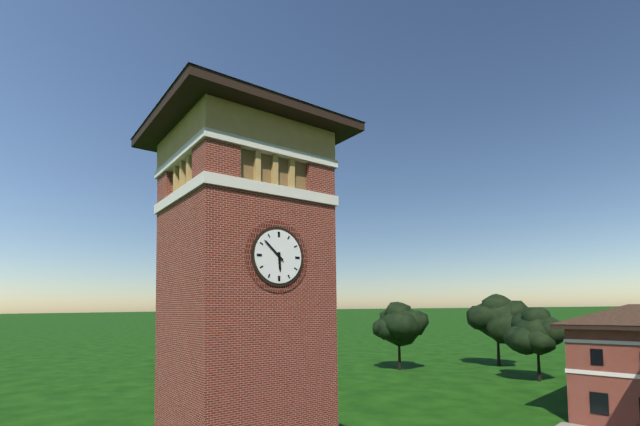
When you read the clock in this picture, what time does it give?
5:52
